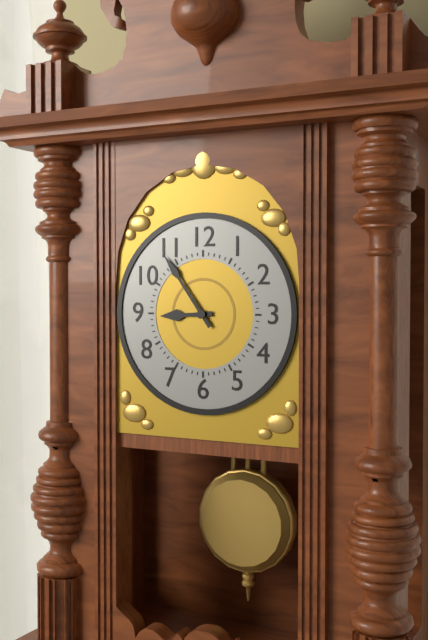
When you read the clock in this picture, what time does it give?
8:54
